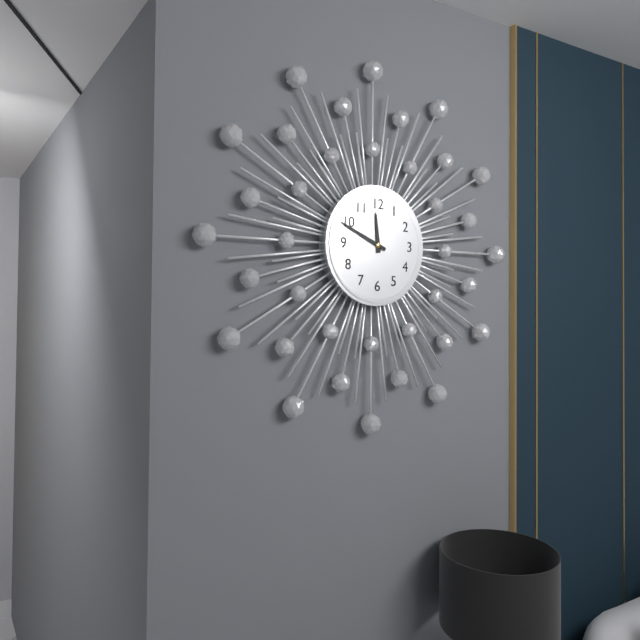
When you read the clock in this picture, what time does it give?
11:49
